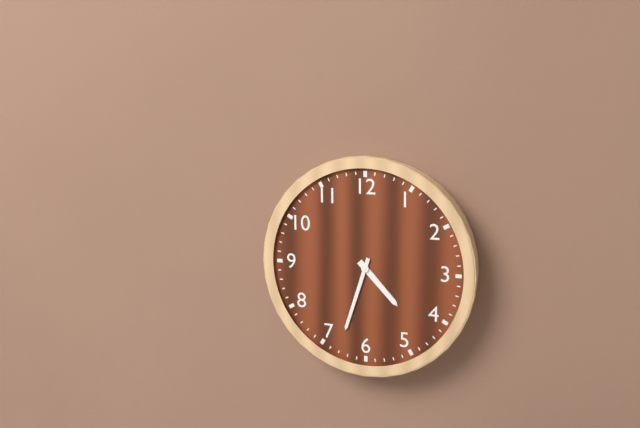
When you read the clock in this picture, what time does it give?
4:33
